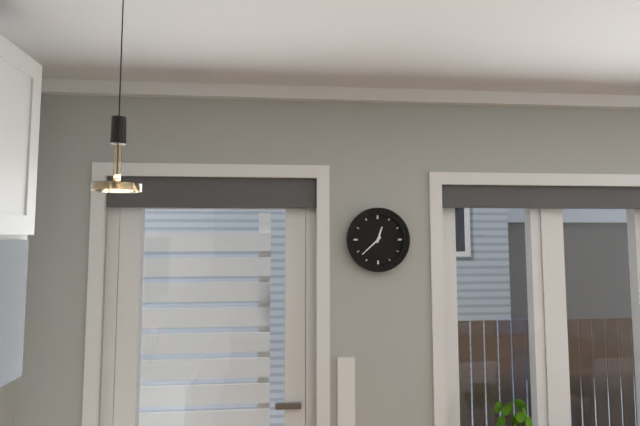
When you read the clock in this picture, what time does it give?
12:38
